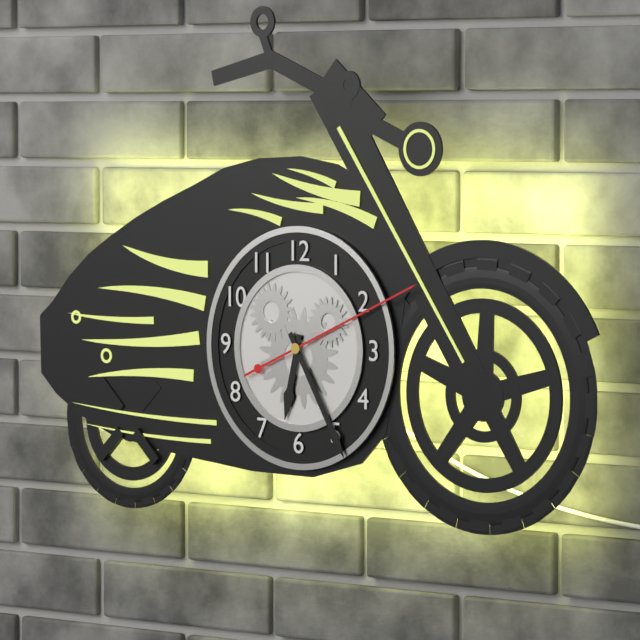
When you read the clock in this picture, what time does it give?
6:25:11
